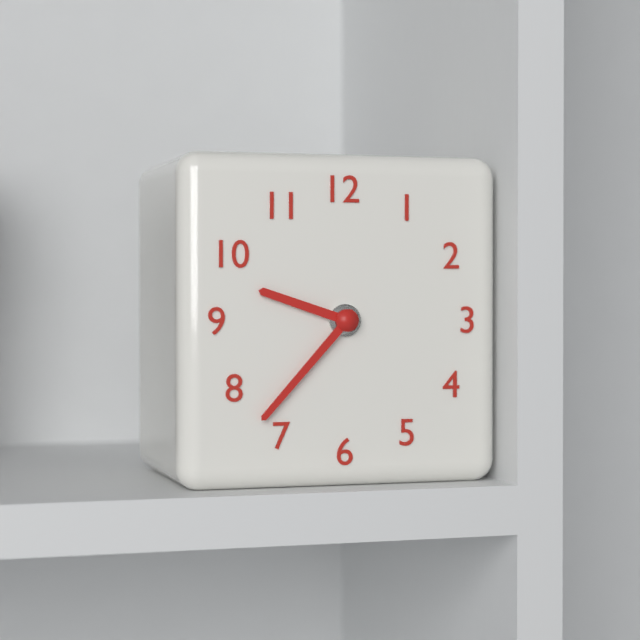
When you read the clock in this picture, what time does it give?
9:37
